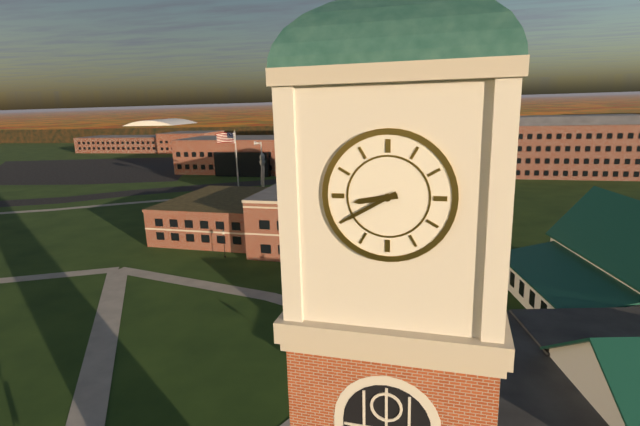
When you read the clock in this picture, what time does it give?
8:40
